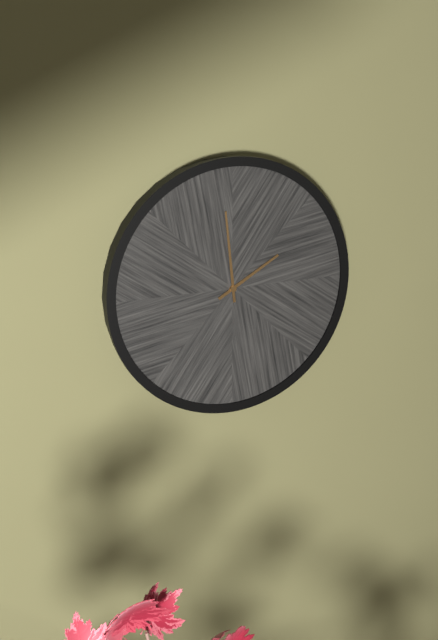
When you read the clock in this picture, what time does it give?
1:59
